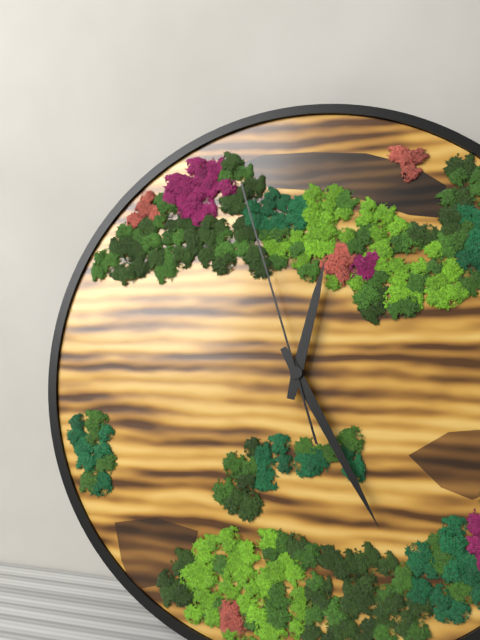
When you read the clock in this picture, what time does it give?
12:25:57
